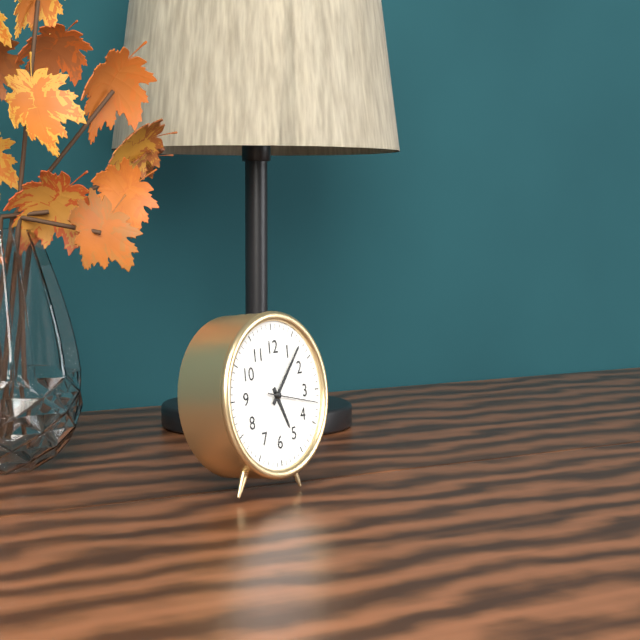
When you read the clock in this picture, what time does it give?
5:07
